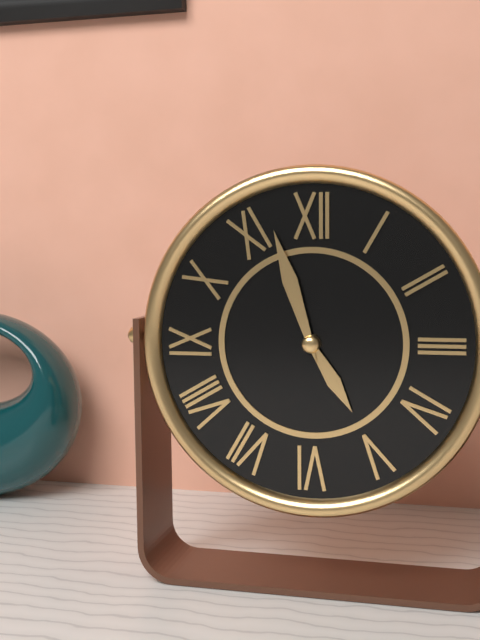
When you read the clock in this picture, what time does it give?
4:57
